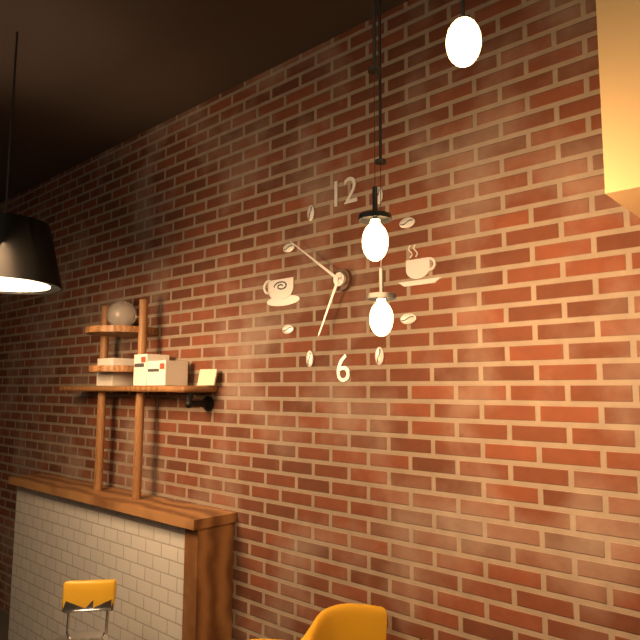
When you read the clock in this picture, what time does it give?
6:51
